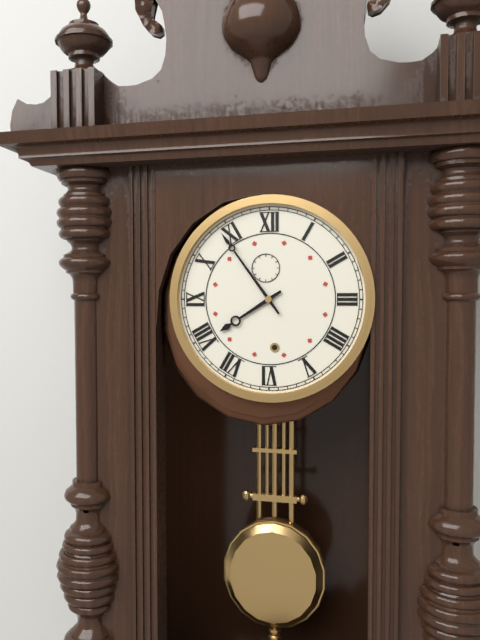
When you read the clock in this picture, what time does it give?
7:54
